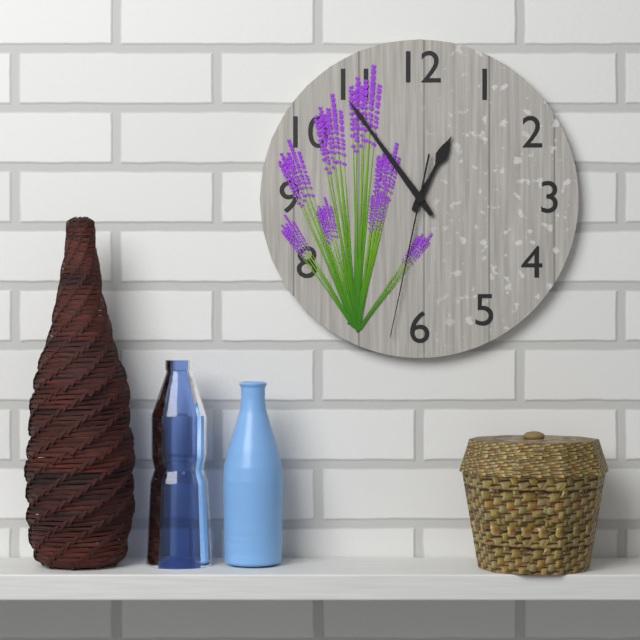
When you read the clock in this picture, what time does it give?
12:54:32
